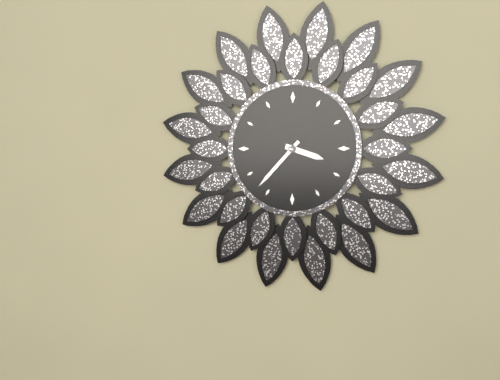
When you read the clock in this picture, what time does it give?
3:37
